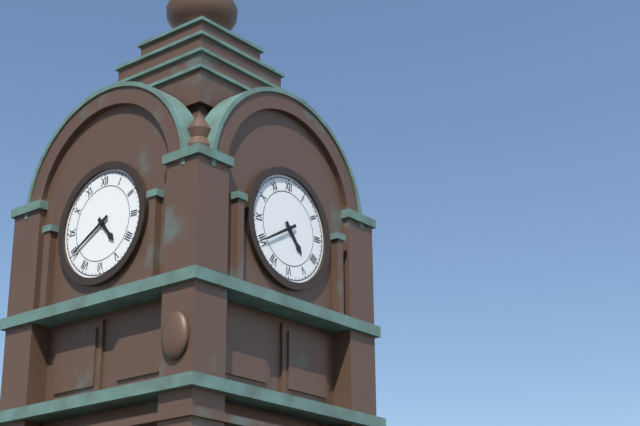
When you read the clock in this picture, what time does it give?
4:40
